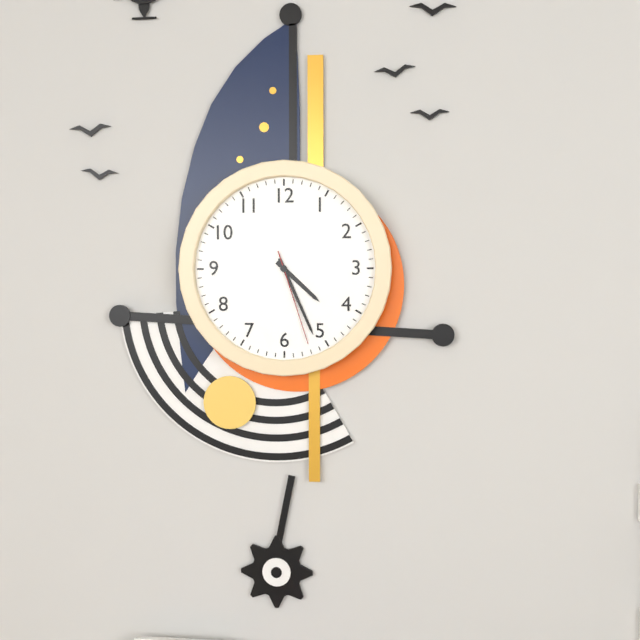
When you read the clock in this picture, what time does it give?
4:26:27
